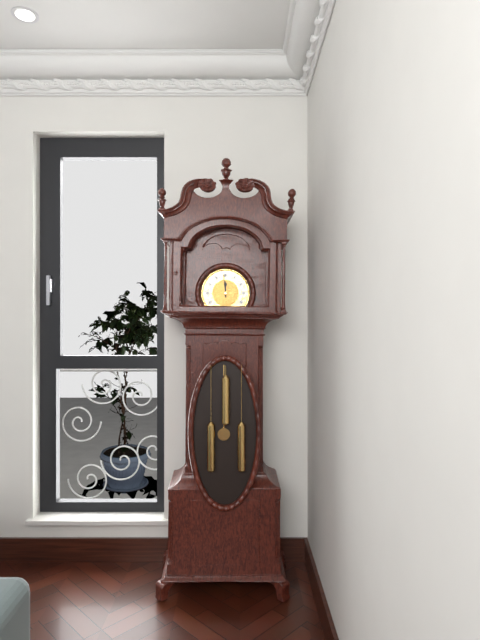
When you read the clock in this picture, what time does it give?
11:59
